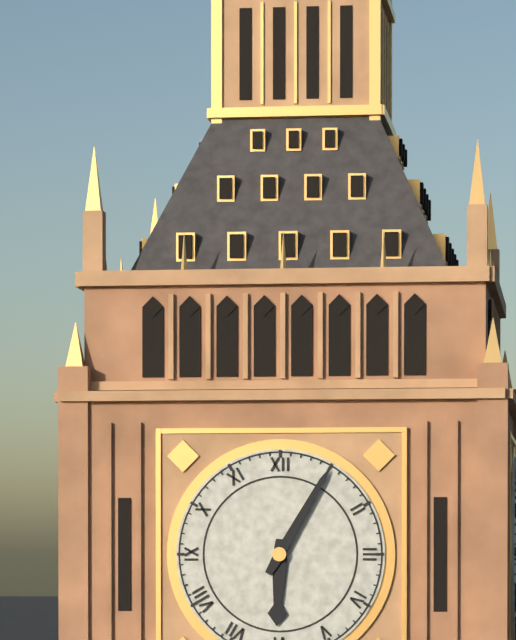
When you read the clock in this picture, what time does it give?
6:05
